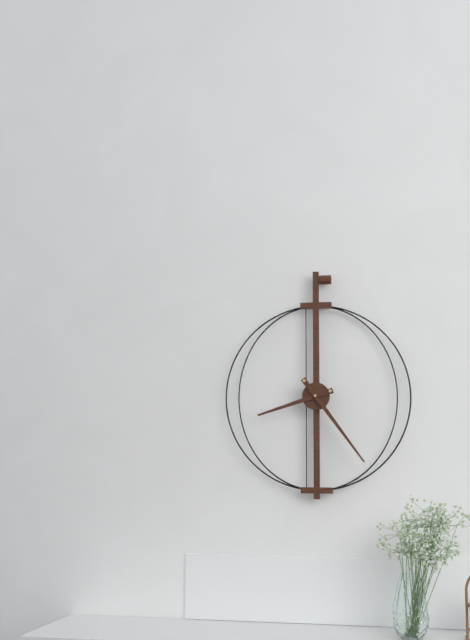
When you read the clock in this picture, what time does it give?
8:24
